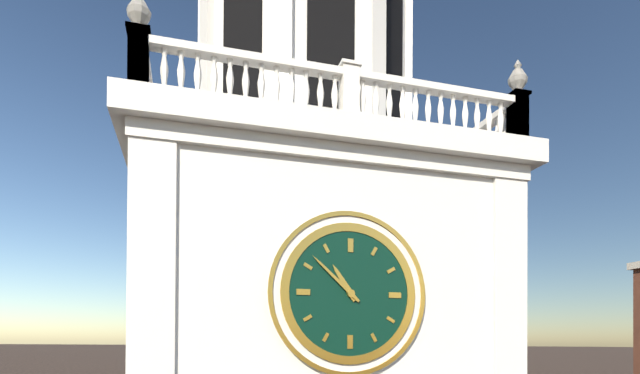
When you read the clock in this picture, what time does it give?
10:52
